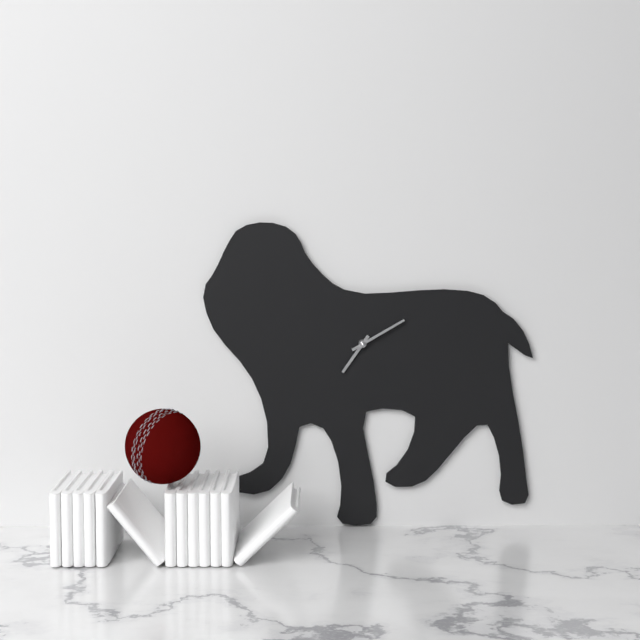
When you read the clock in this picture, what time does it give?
7:10
